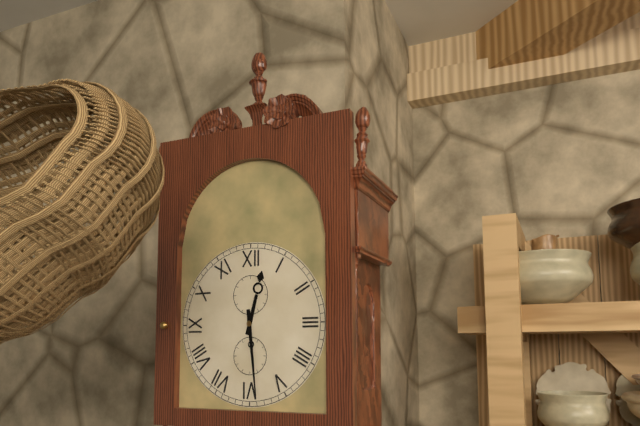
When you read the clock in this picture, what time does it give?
12:29
